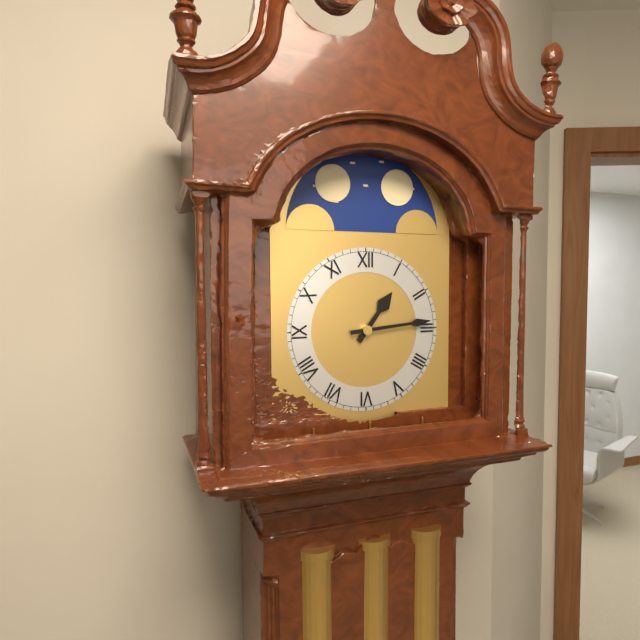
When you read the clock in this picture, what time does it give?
1:14
